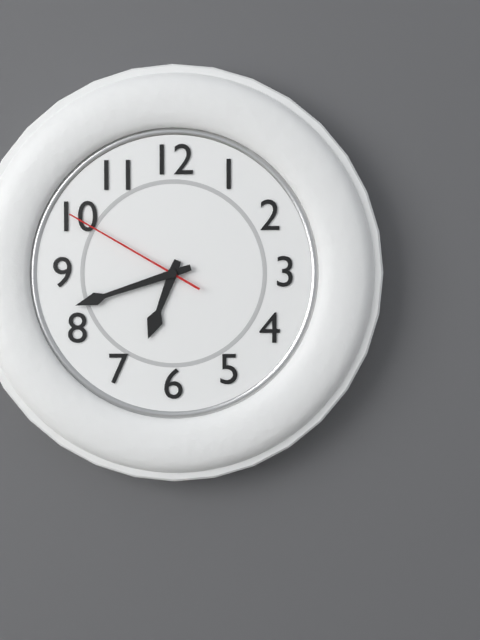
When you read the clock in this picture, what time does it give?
6:42:50
